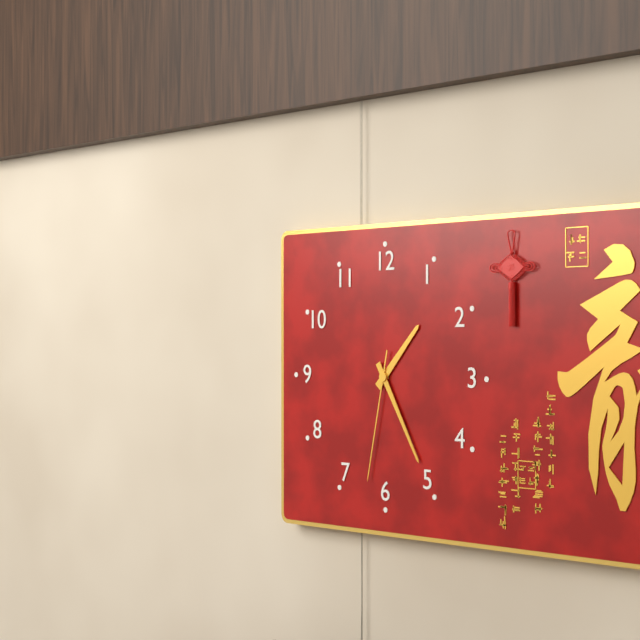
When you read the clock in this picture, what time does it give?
1:25:32
